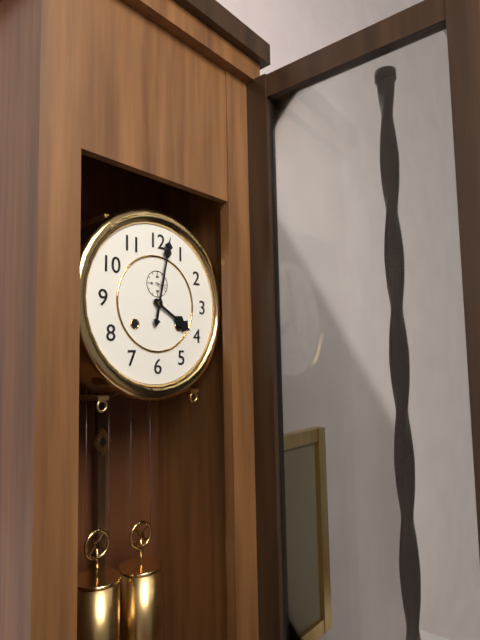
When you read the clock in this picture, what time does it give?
4:02
